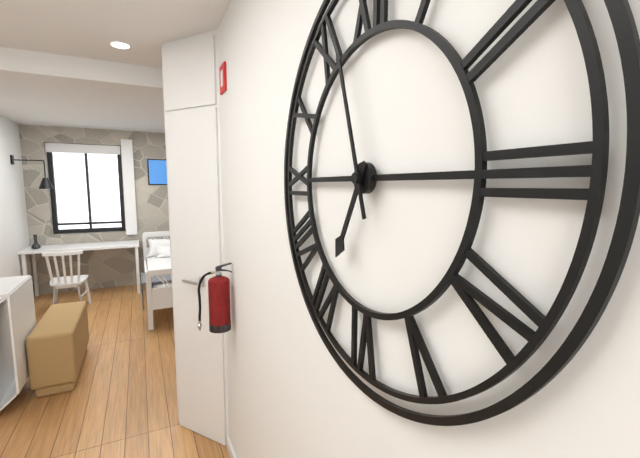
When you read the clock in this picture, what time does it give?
6:57
